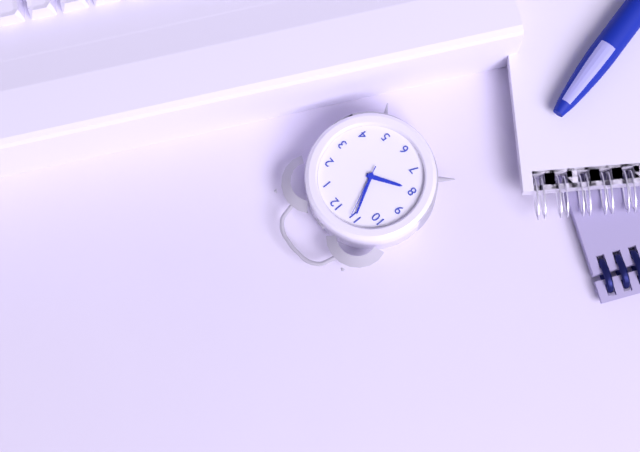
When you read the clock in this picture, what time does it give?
7:55:56
